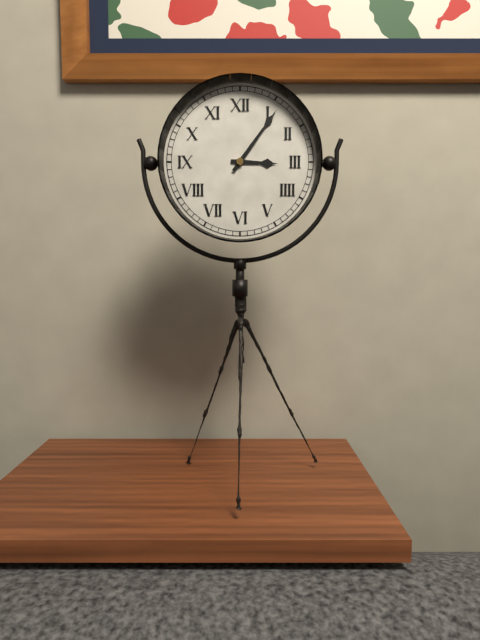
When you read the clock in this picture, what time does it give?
3:06
